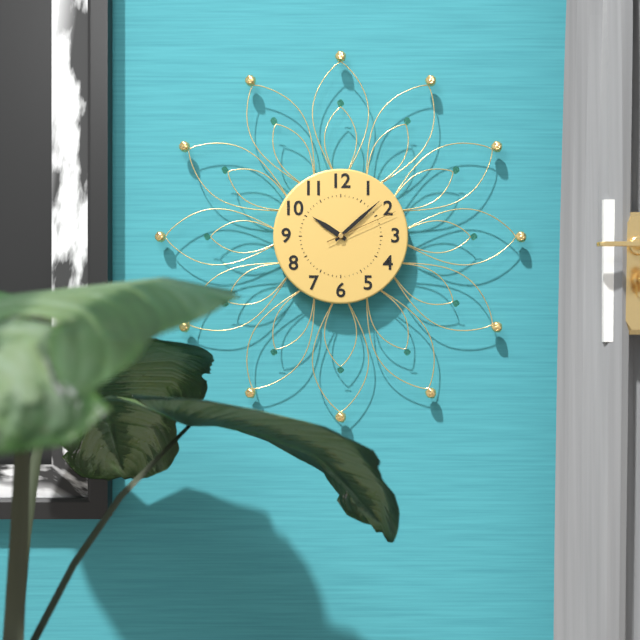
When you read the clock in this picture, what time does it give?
10:08:11
